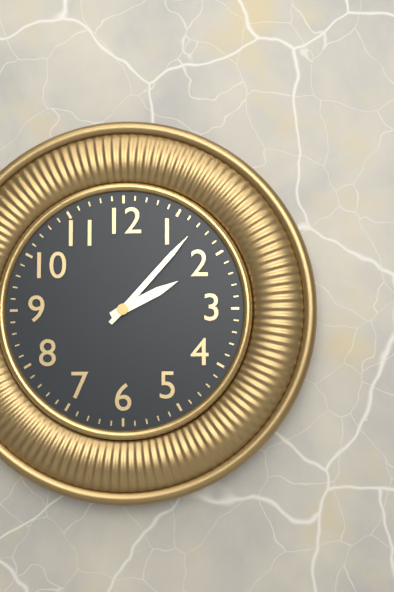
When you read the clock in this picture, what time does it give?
2:07
